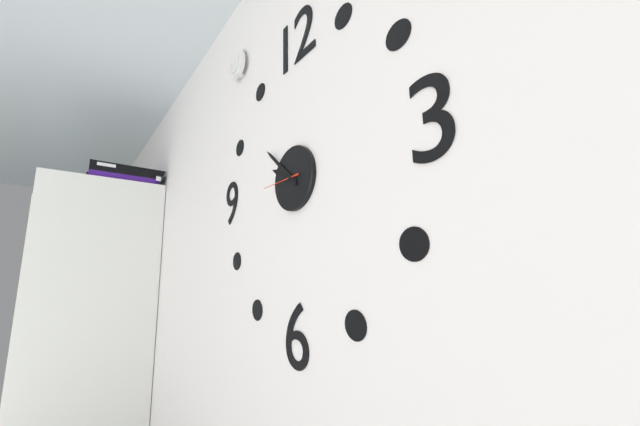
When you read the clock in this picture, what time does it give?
9:52
